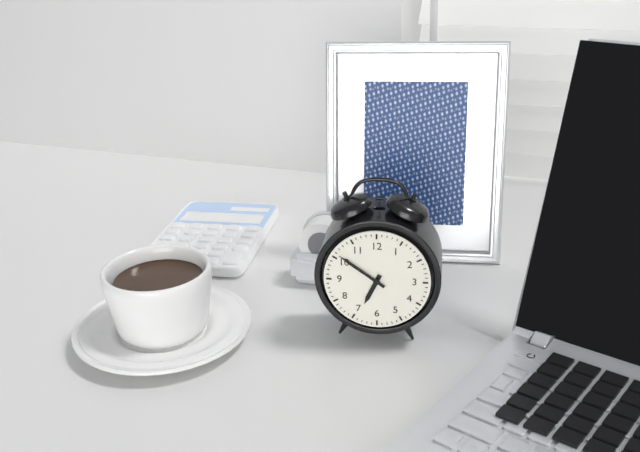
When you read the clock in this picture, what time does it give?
6:51
